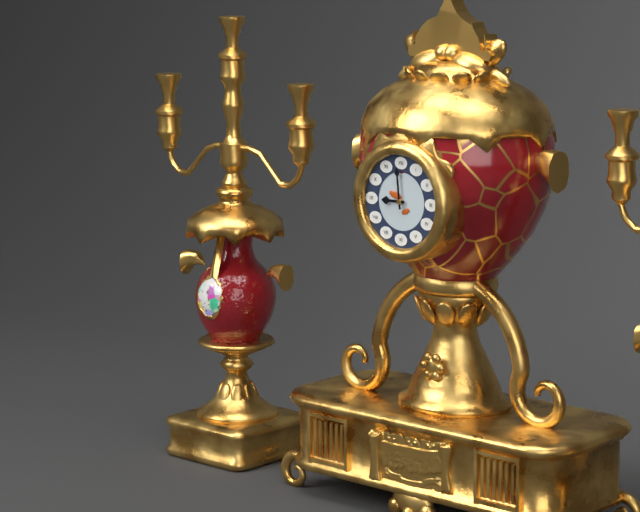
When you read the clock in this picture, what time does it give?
8:59
